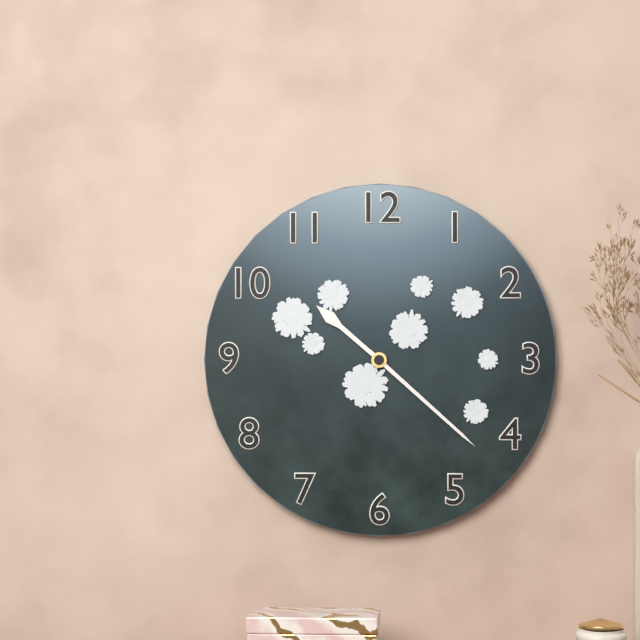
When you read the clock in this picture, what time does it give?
10:22
